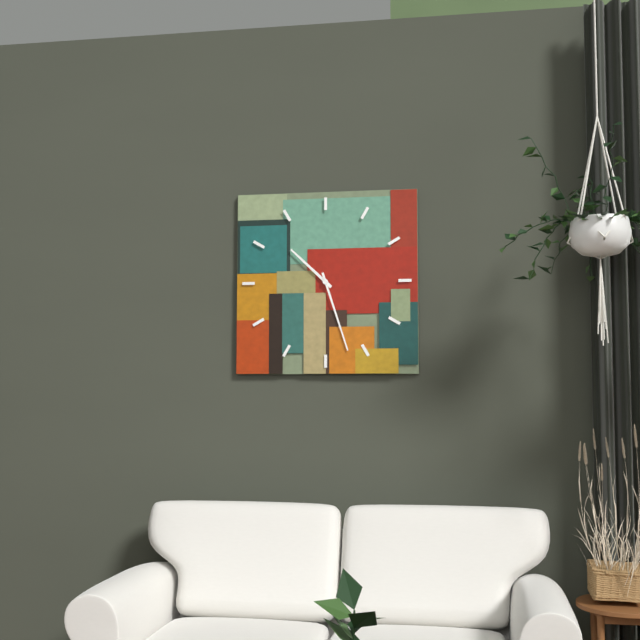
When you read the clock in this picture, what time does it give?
10:27
